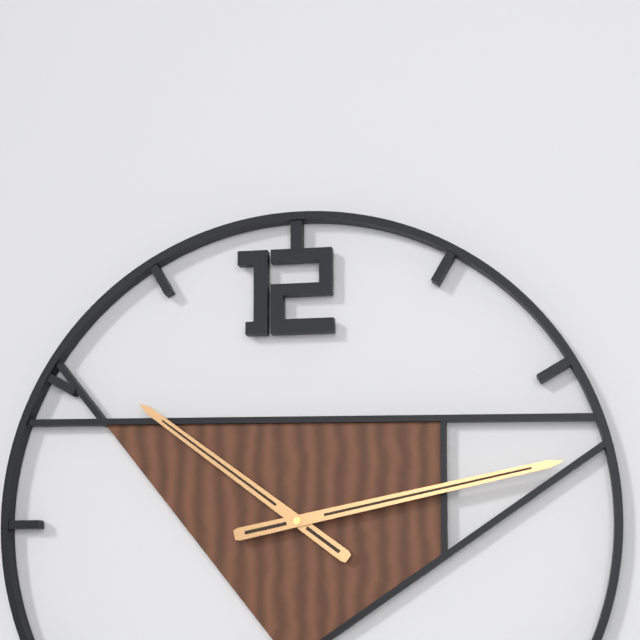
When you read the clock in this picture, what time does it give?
10:13
